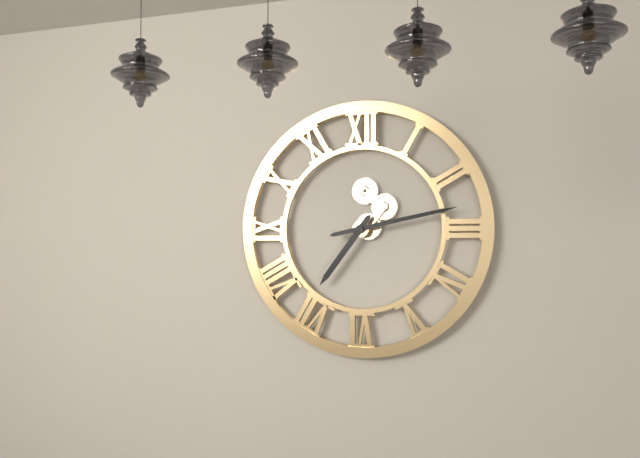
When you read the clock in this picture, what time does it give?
7:13
